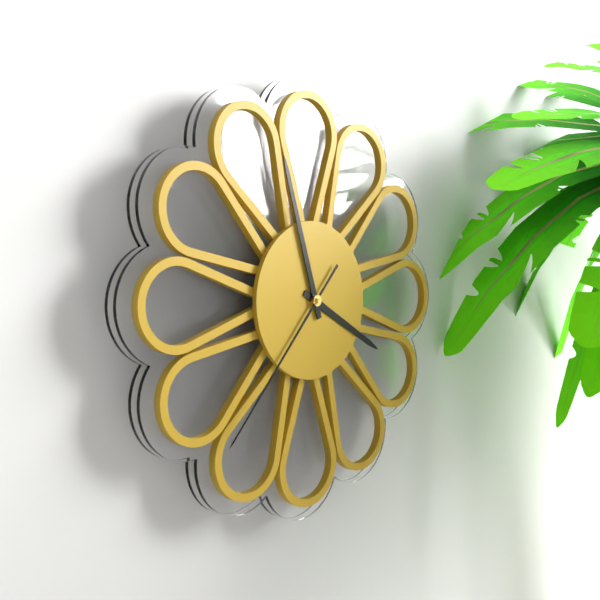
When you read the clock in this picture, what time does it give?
3:57:37
